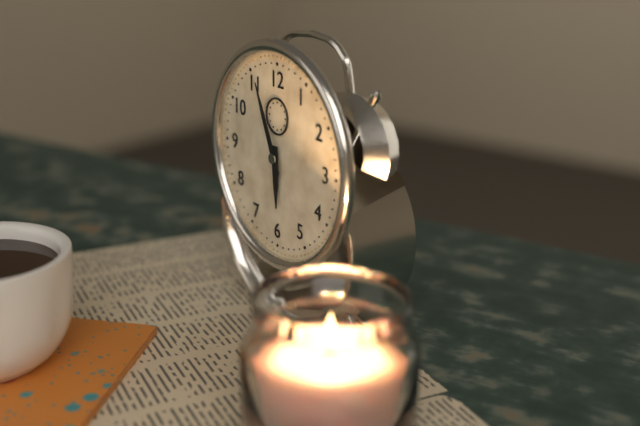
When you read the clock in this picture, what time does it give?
5:56
